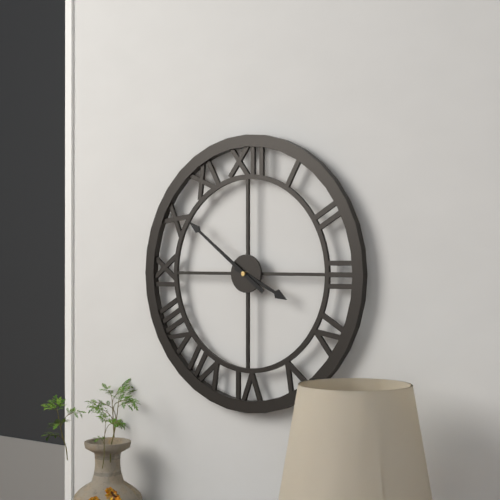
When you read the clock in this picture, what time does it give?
3:51
